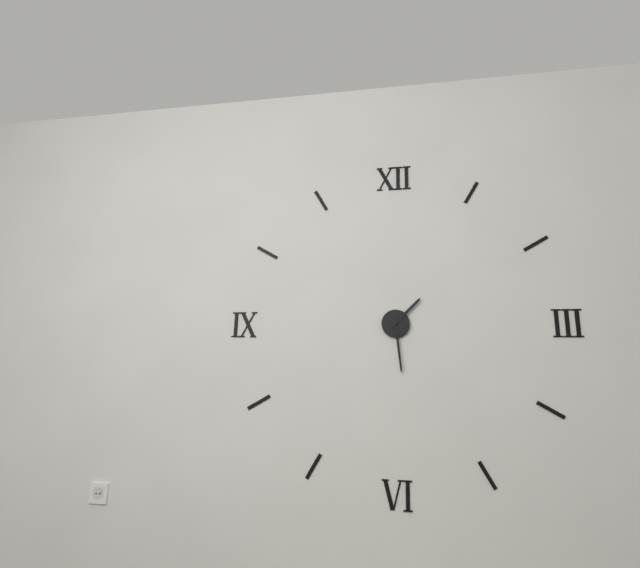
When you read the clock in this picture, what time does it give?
1:29
